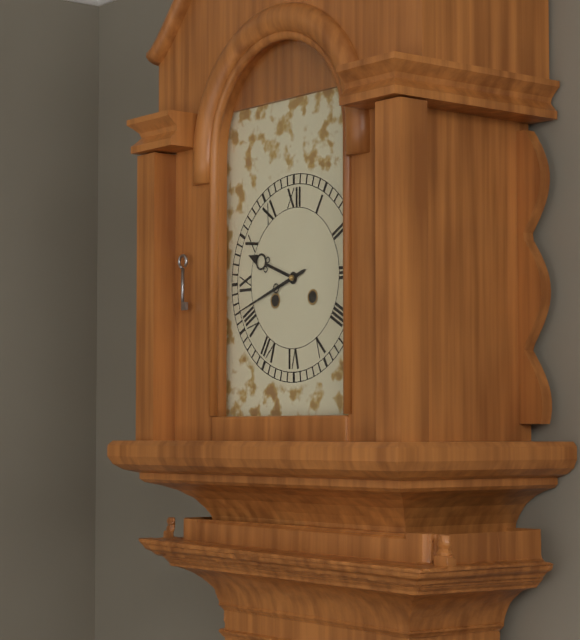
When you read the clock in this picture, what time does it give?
9:42
